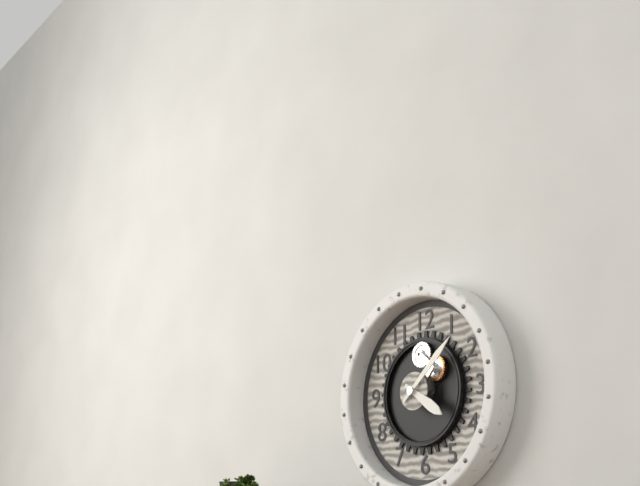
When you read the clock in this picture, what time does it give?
4:08
